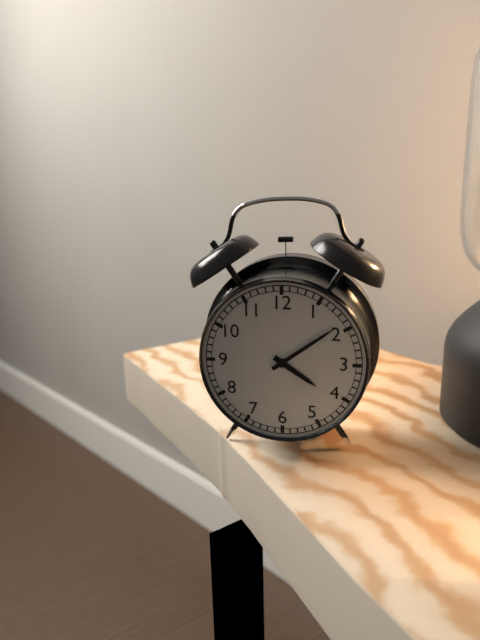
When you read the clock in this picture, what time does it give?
4:09
